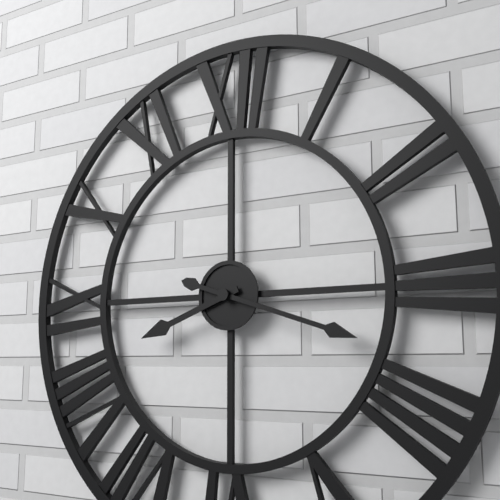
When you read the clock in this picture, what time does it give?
8:18
